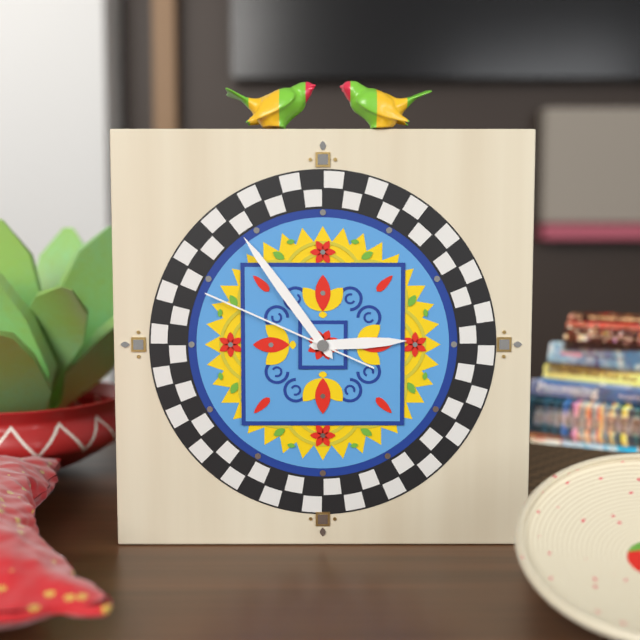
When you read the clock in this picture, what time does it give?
2:54:49
